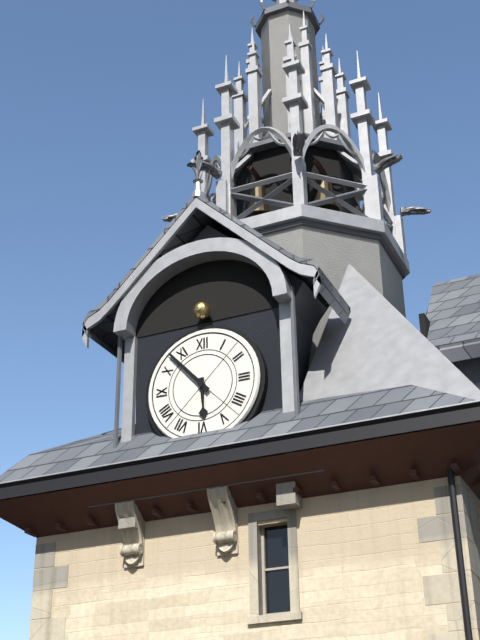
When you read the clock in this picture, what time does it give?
5:53
